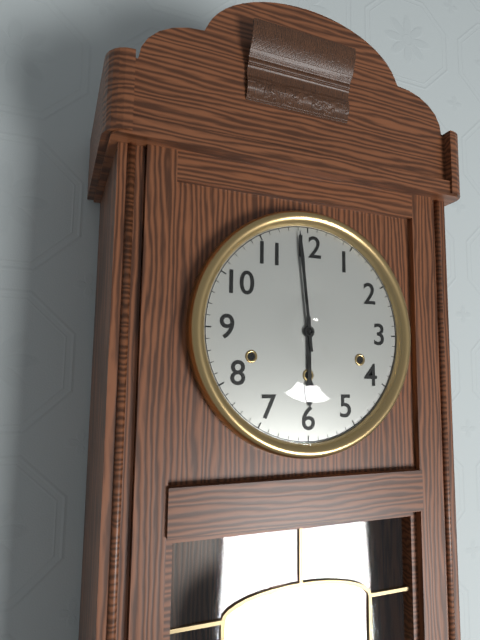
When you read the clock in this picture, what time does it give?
5:59
